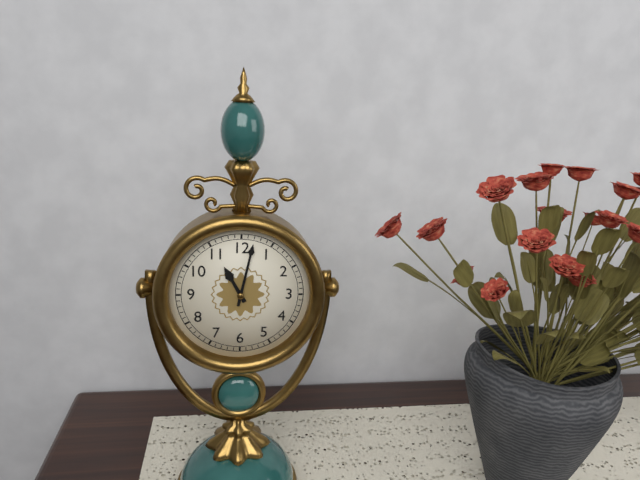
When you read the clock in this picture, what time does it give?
11:02
